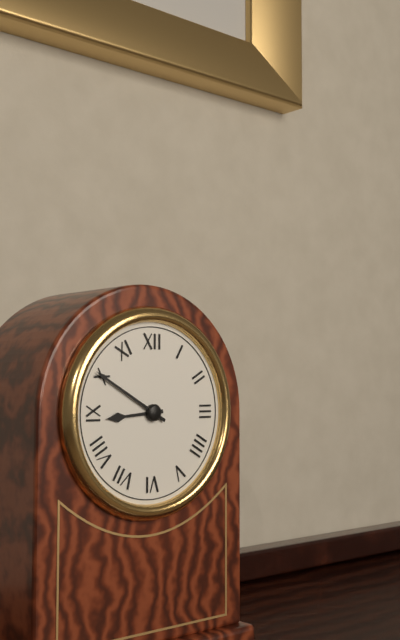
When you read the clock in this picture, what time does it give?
8:50
